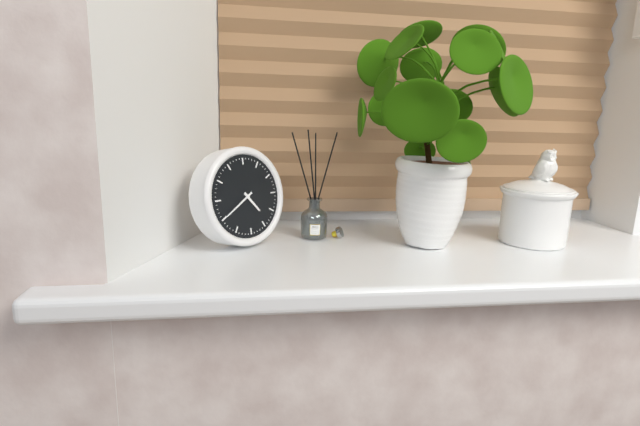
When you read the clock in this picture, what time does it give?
4:40
